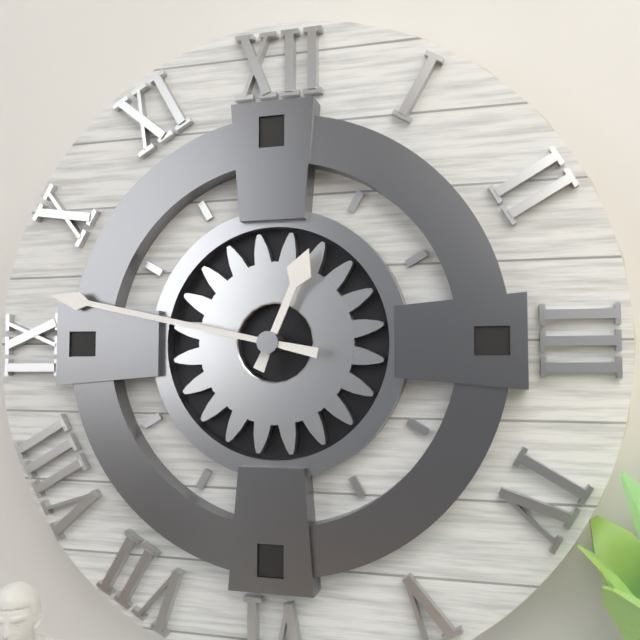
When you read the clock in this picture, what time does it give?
12:47
